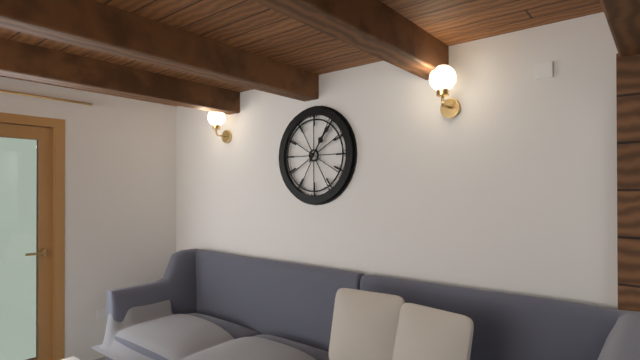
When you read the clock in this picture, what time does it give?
1:06
